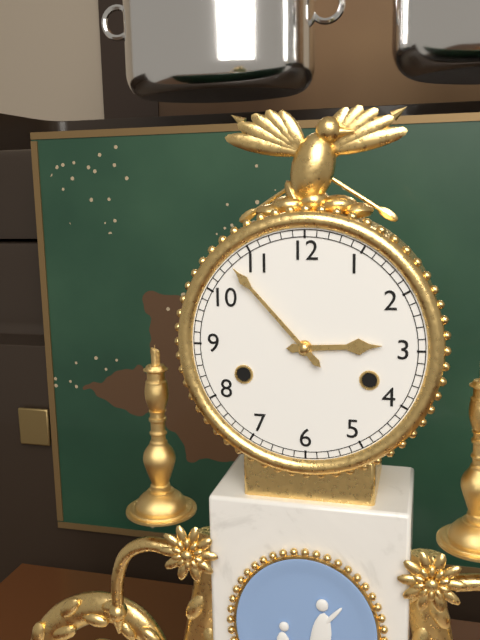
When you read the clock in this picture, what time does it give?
2:53
